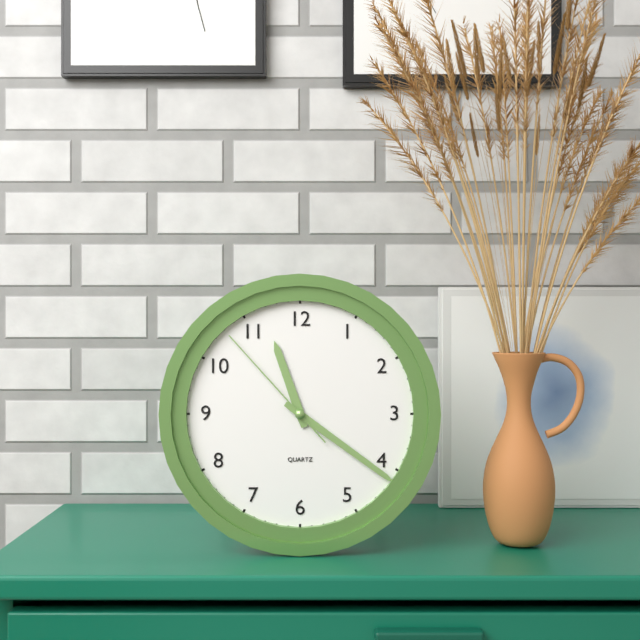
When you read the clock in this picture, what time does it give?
11:21:53
